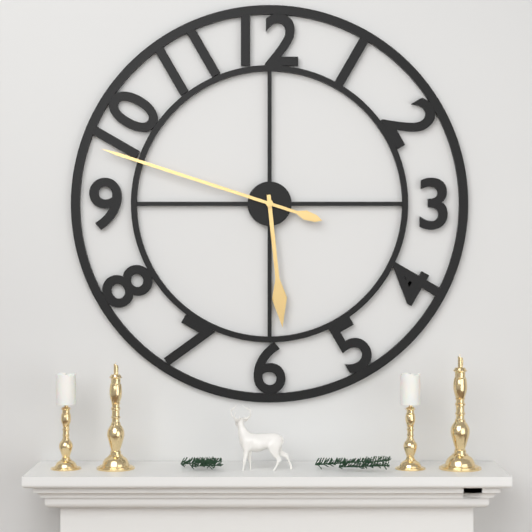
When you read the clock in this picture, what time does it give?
5:48
